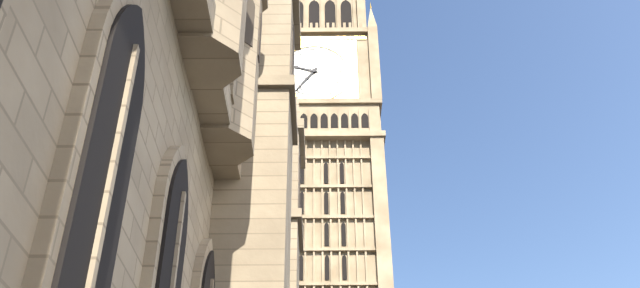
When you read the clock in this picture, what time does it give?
9:36
